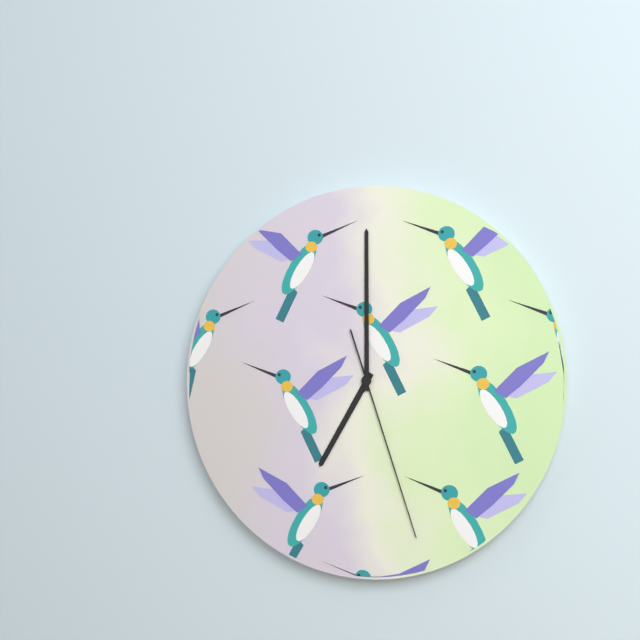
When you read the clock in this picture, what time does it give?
7:00:27
